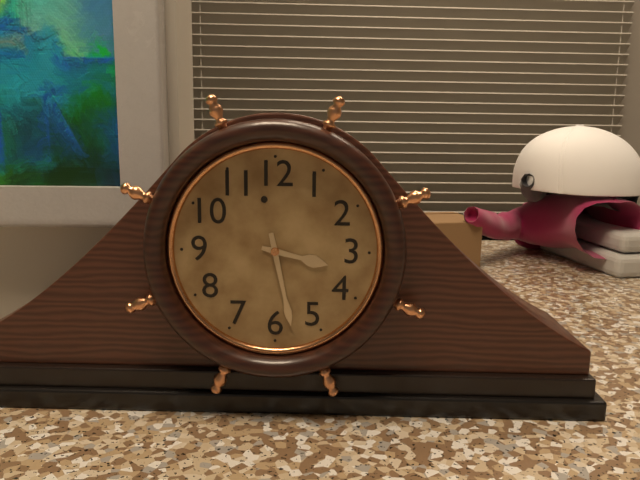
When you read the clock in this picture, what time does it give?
3:28
